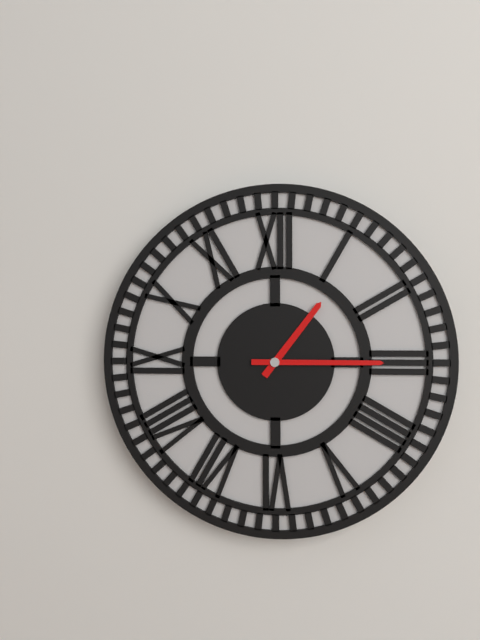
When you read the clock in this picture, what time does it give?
1:15
